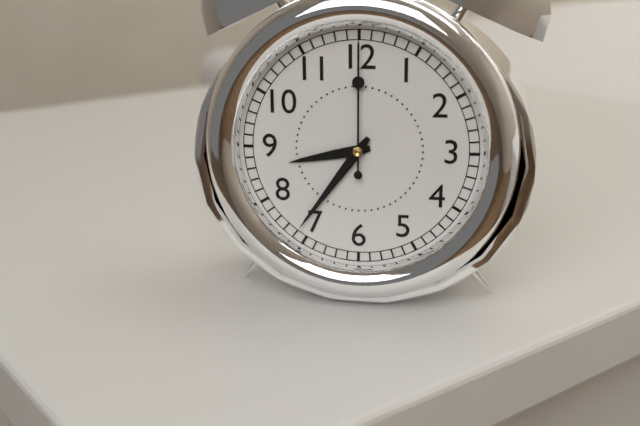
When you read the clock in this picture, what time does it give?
8:36:00
